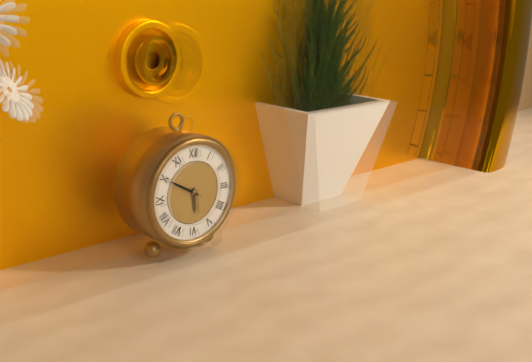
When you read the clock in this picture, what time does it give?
5:50
